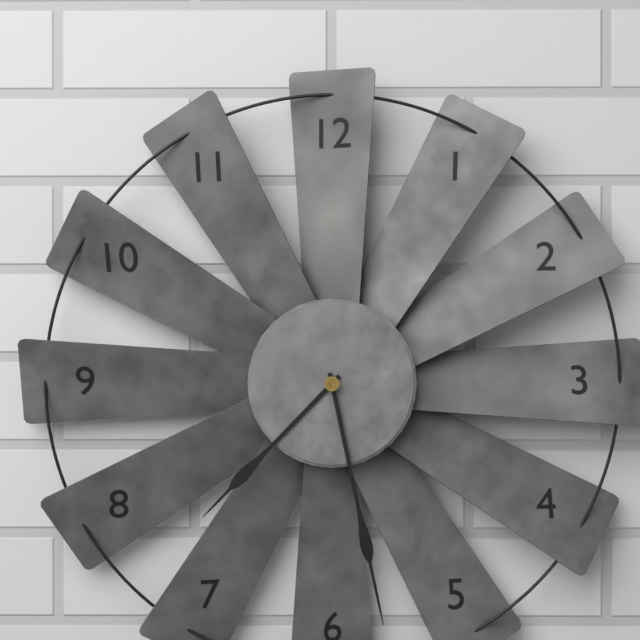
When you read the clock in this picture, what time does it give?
7:28
